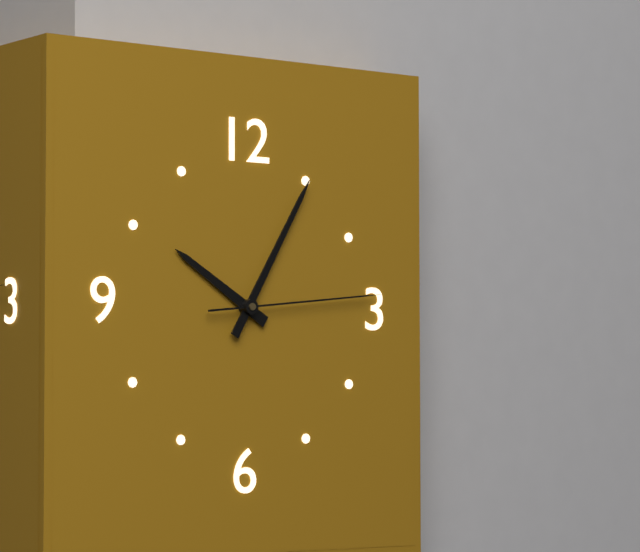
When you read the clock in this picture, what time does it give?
10:05:14
